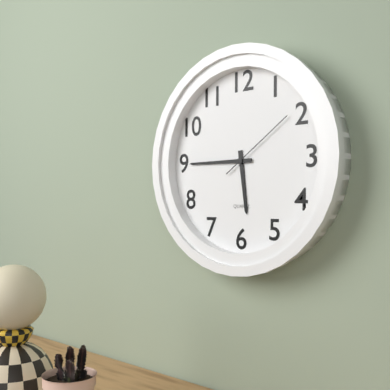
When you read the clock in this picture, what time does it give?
5:45:09
